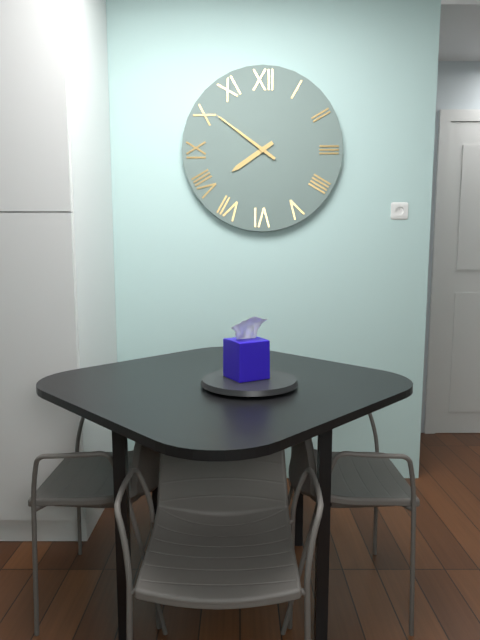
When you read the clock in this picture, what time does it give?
7:51
